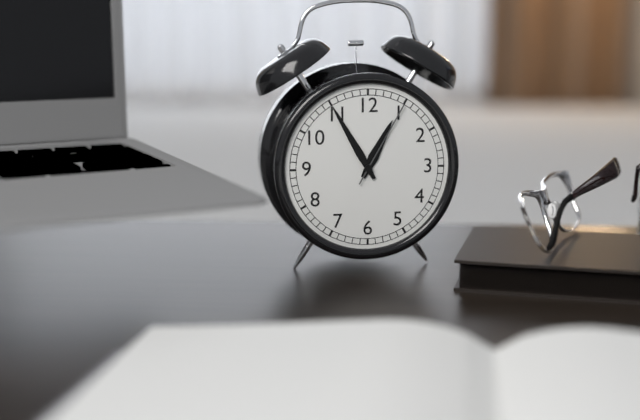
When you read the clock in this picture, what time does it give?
12:55:05
